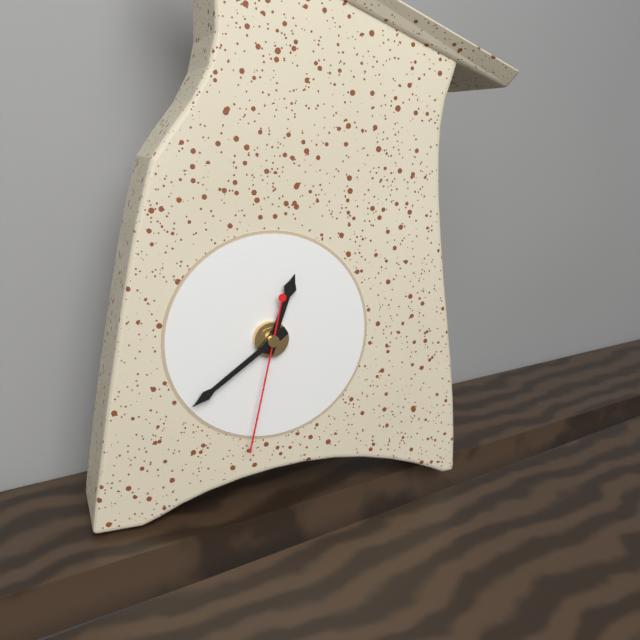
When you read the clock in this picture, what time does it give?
12:39:32
